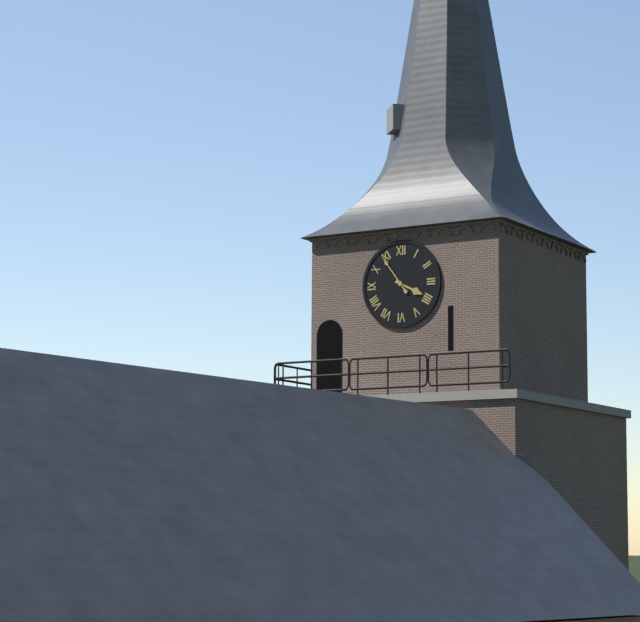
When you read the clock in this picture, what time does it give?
3:54
